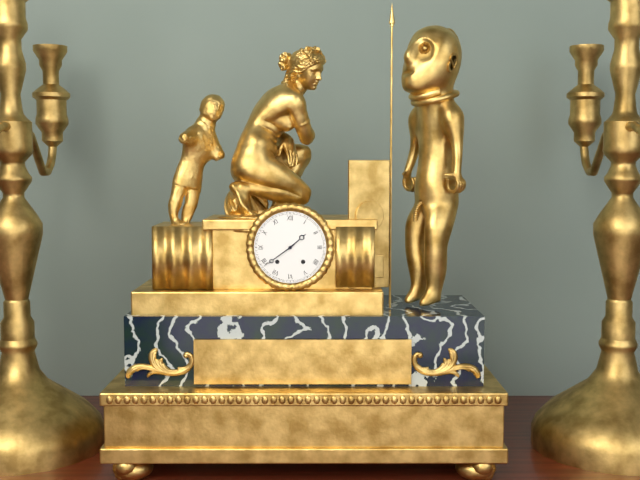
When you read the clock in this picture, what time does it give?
1:39
